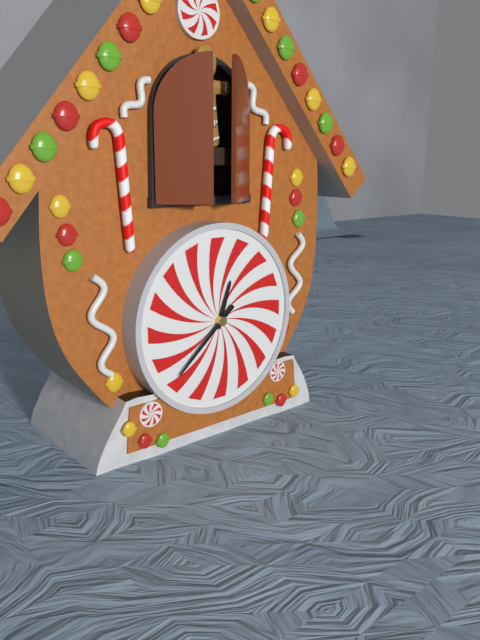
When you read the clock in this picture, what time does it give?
12:38
